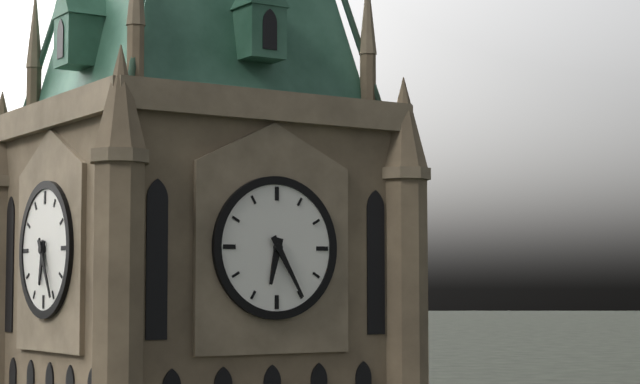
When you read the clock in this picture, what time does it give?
6:25
